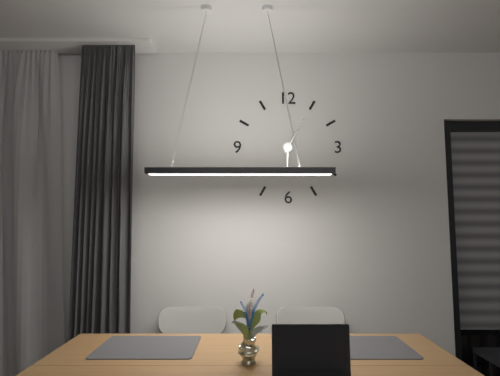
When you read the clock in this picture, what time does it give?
6:05
